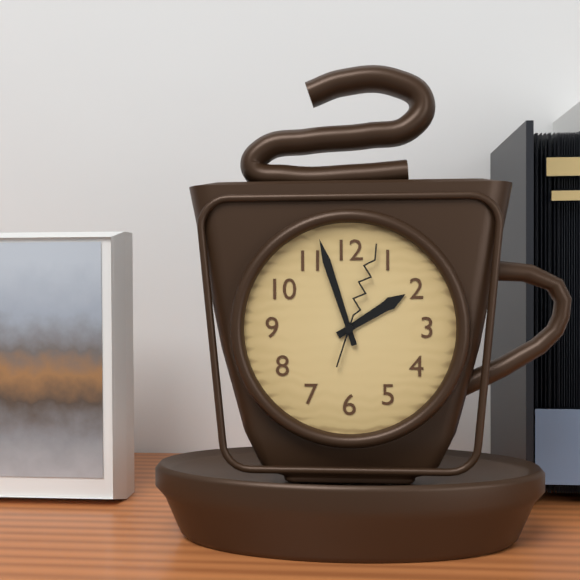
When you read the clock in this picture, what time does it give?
1:57:03
